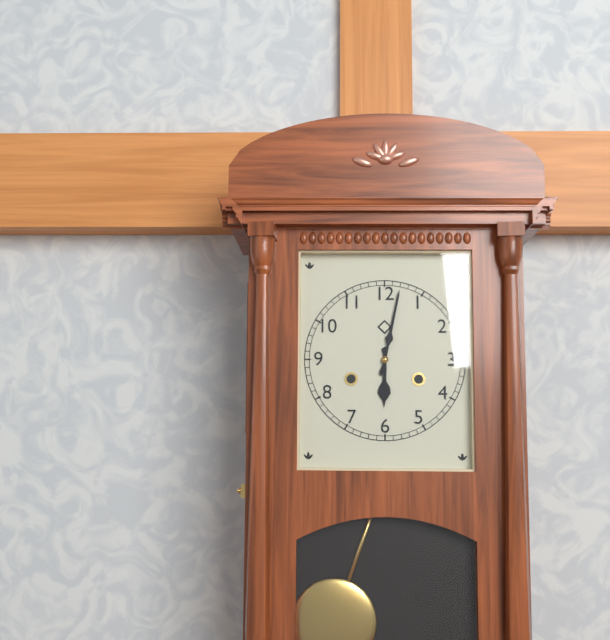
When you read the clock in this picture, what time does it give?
6:02
